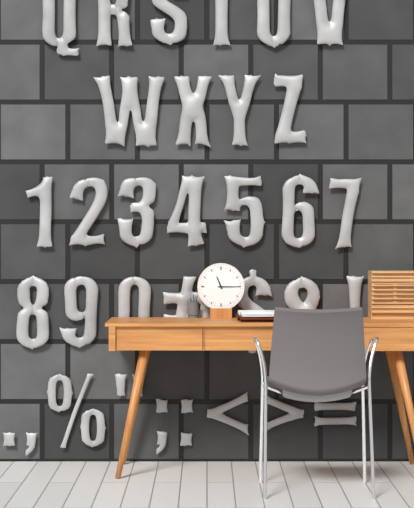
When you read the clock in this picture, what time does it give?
11:15
